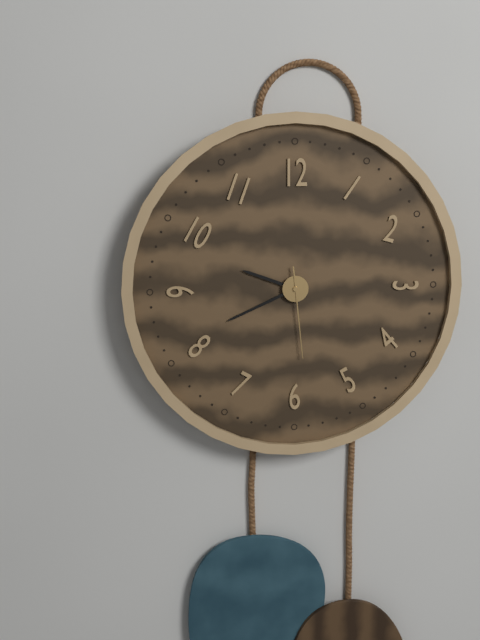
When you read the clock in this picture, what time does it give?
9:41:29
